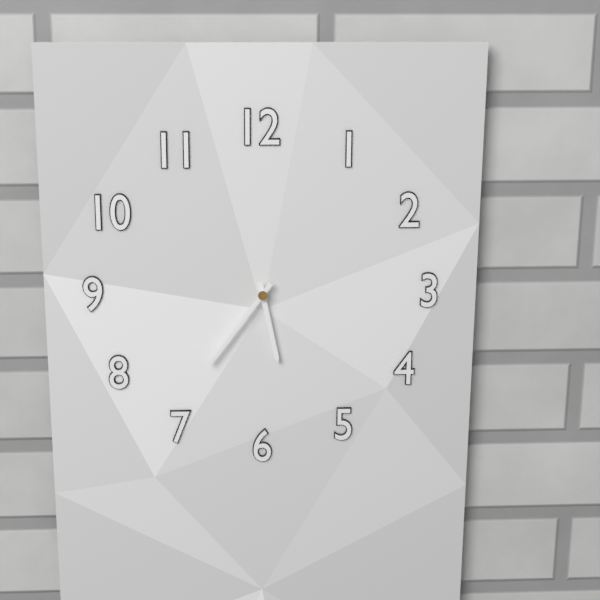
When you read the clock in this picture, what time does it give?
5:36
